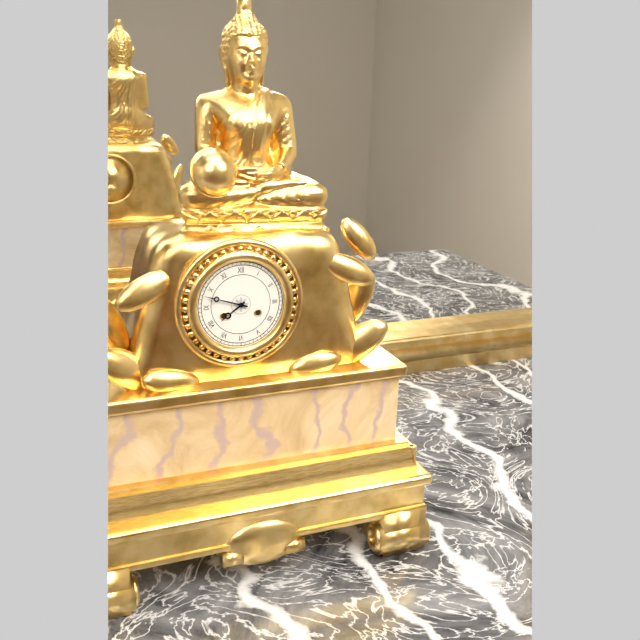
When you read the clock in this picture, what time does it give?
7:48
